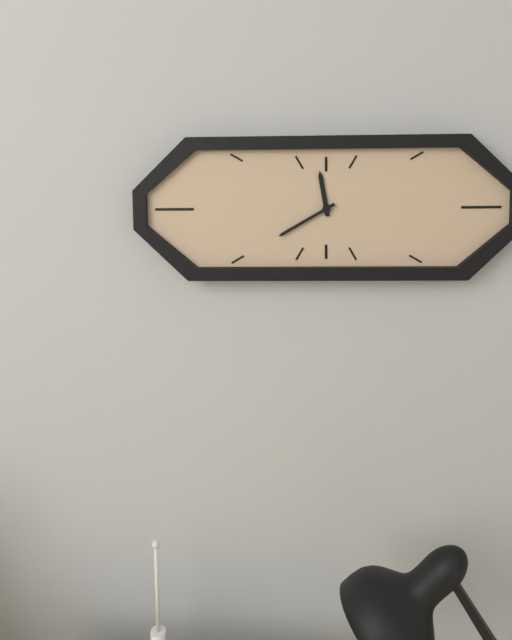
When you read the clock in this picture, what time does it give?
11:40
